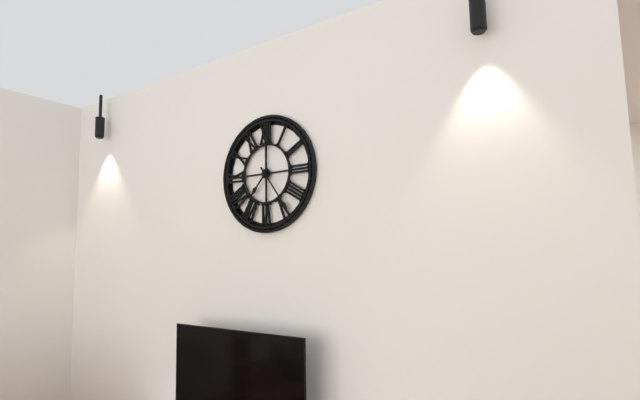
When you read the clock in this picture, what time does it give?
7:24
